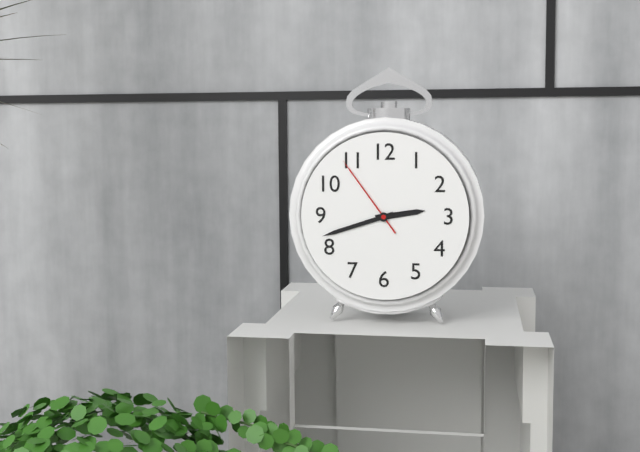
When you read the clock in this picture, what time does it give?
2:42:54
